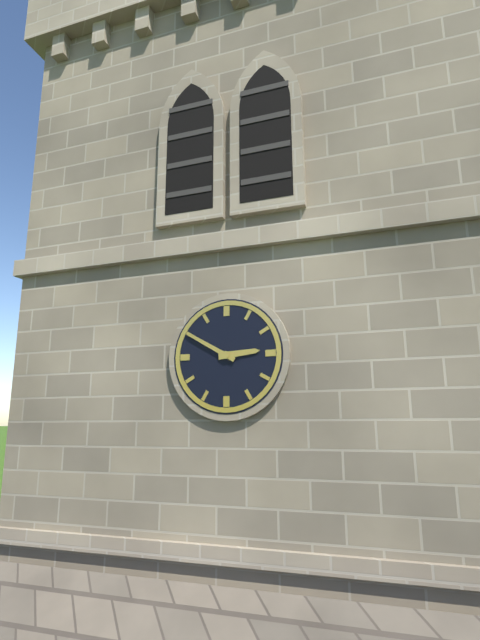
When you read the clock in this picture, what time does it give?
2:50
